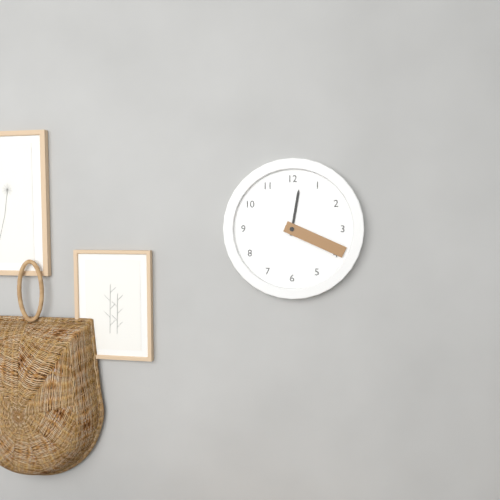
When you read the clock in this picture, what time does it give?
12:19
